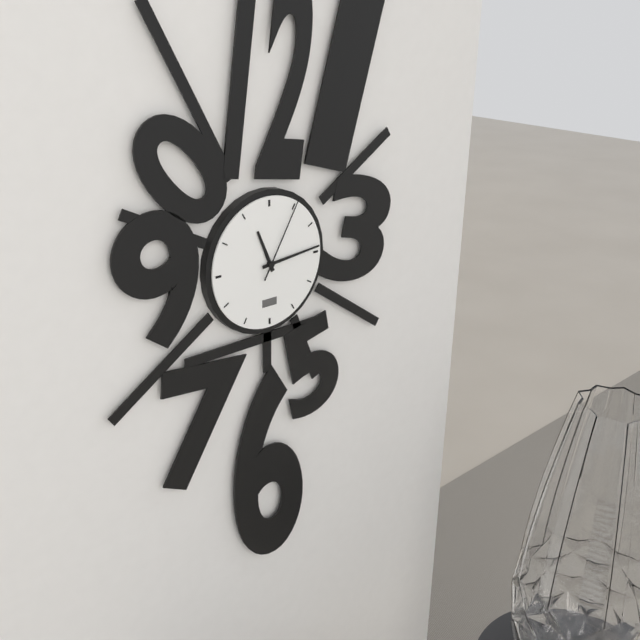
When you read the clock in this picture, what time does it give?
11:14:05
